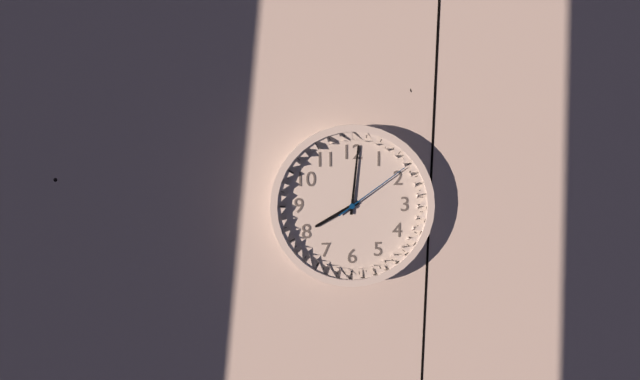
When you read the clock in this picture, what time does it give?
8:01:09
